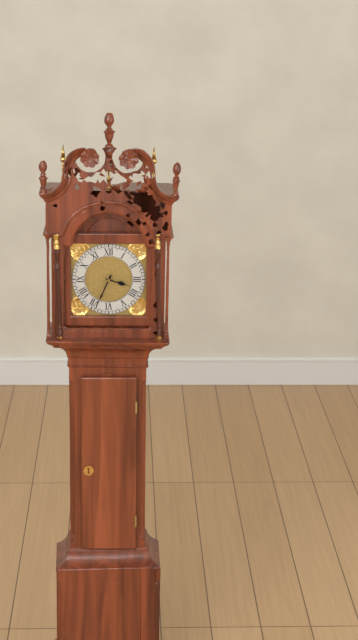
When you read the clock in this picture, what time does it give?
3:34
